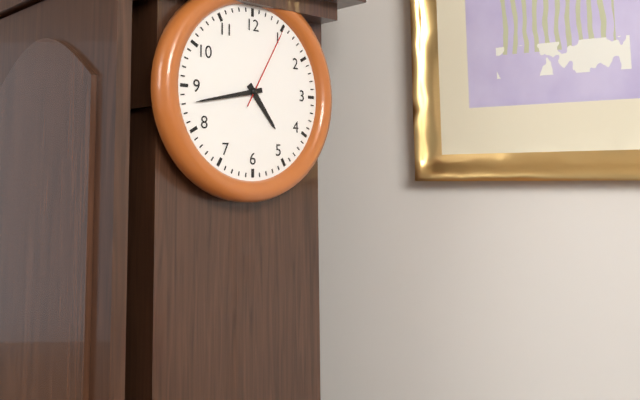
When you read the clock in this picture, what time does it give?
4:43:05
